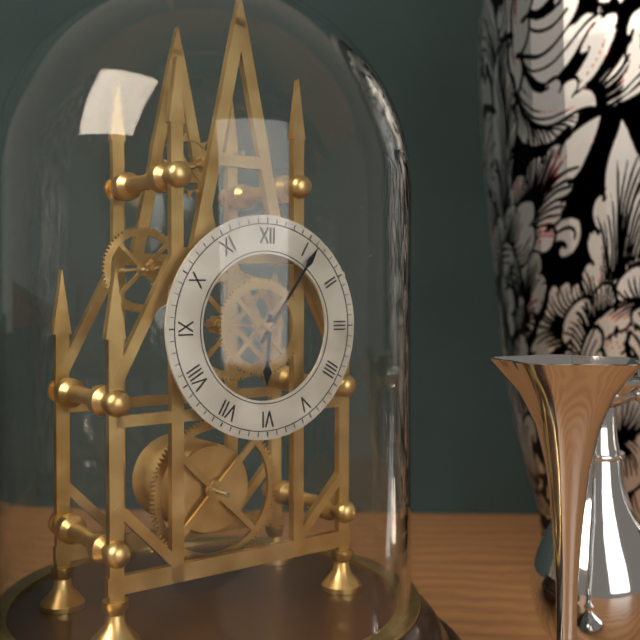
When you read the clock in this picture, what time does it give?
6:06
